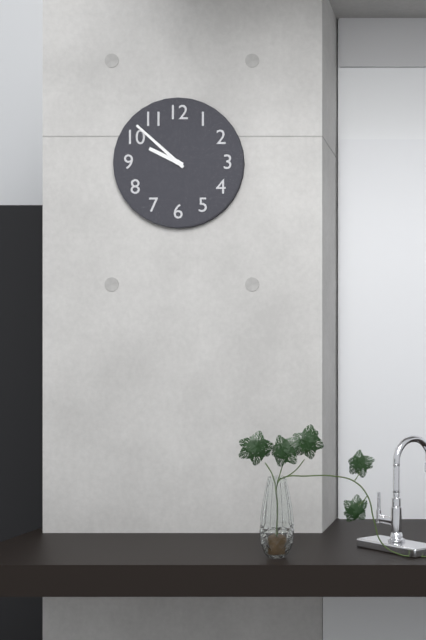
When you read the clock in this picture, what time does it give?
9:52
